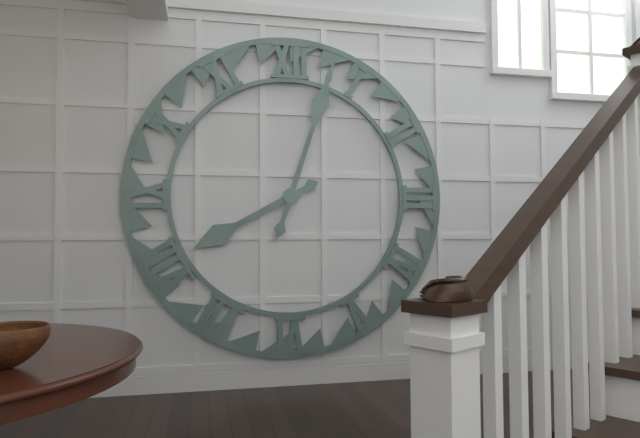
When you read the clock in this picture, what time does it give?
8:03
